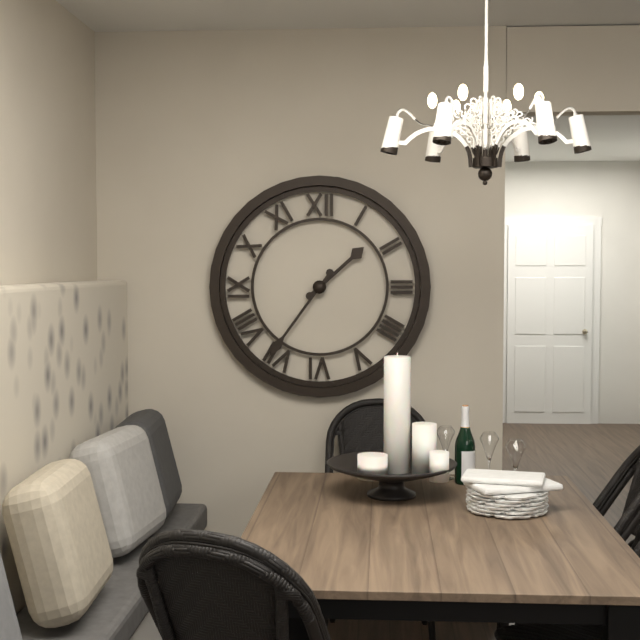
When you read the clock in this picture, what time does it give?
1:36
